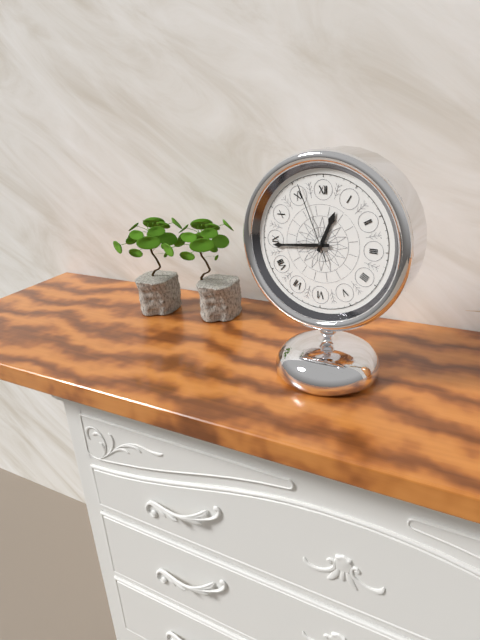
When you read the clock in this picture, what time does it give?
12:44:56
